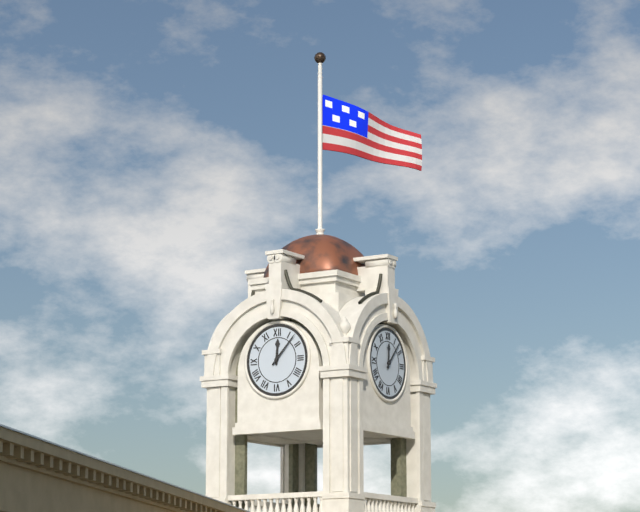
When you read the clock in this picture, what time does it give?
12:07
